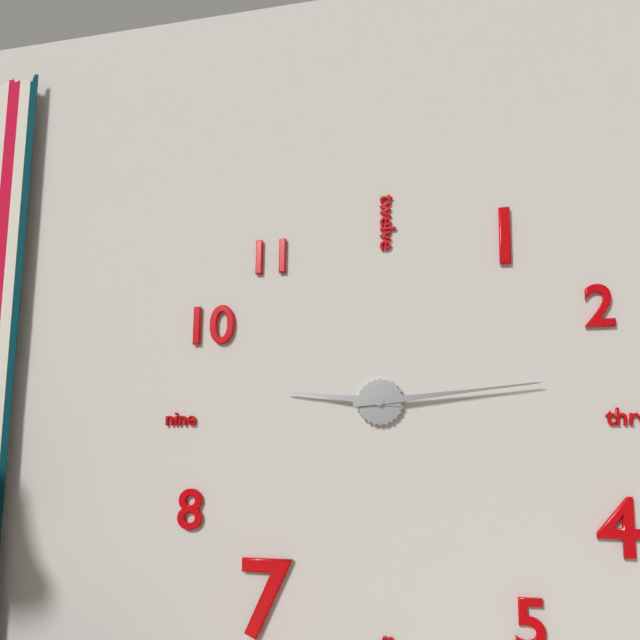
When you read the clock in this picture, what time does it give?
9:14
